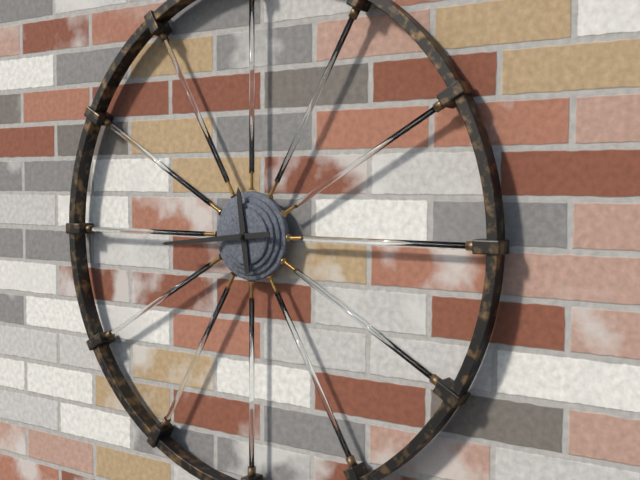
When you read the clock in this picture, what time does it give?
11:44
